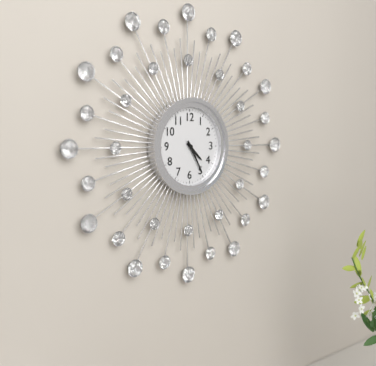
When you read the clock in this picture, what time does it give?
4:25
